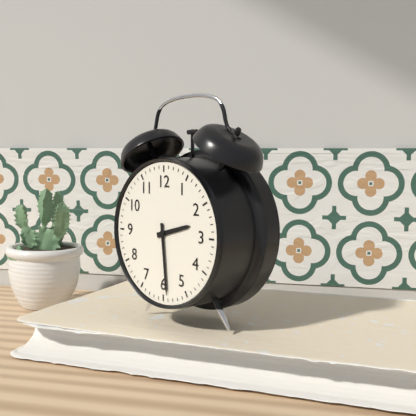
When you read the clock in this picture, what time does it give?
2:29
